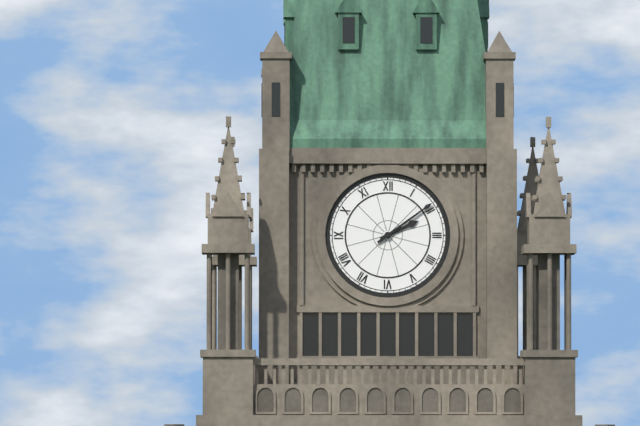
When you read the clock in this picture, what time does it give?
2:09
